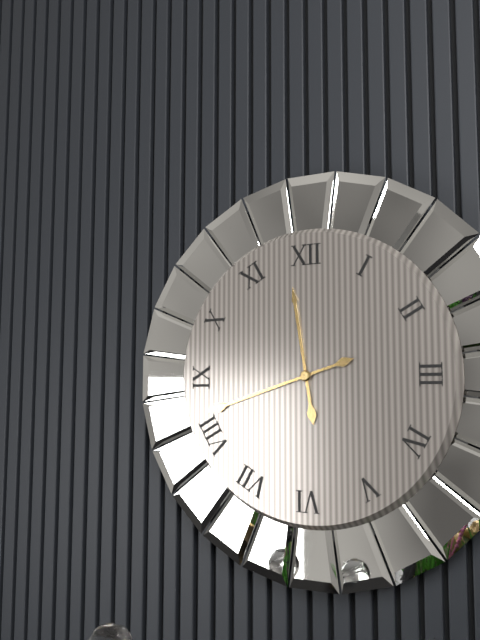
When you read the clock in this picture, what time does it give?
11:42
